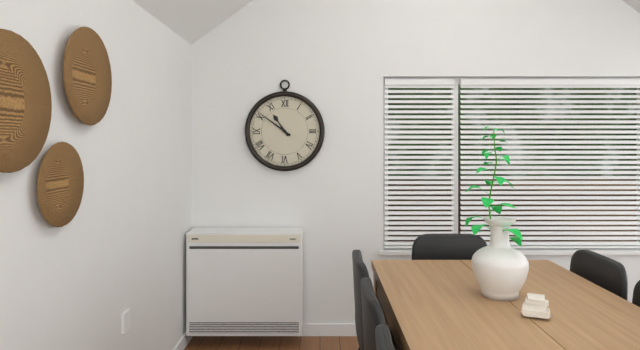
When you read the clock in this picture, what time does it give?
10:51
